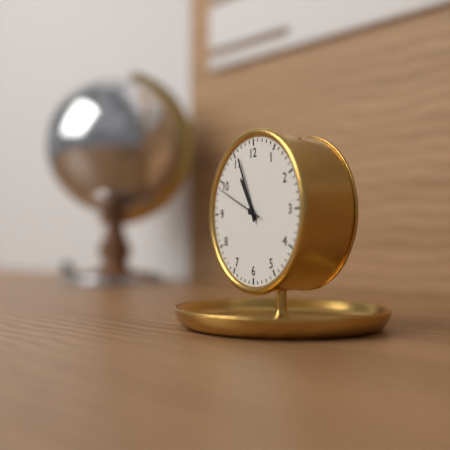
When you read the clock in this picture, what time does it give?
10:56
